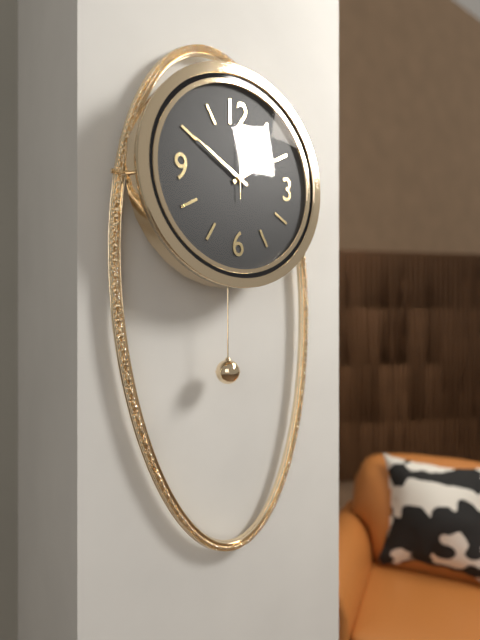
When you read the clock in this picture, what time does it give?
1:50:00
